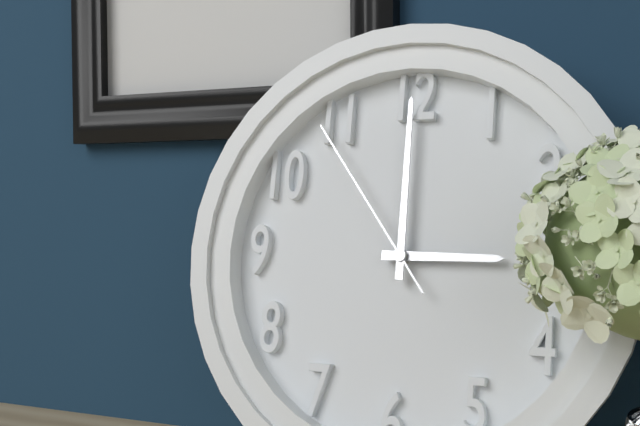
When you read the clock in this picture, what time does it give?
3:00:54
